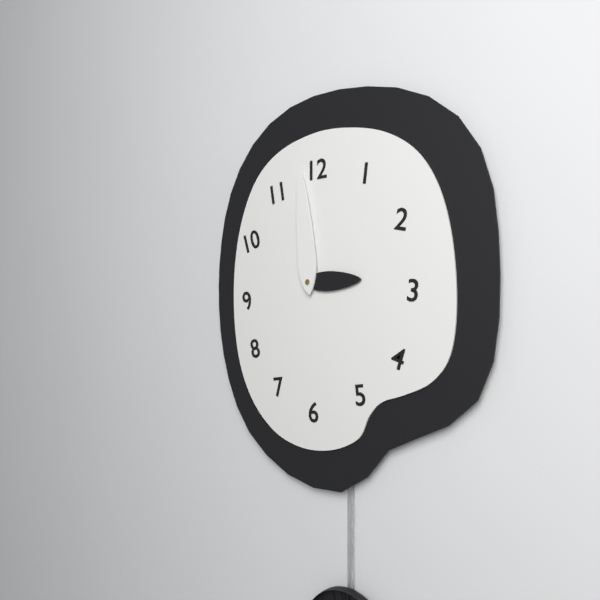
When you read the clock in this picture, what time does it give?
2:59
